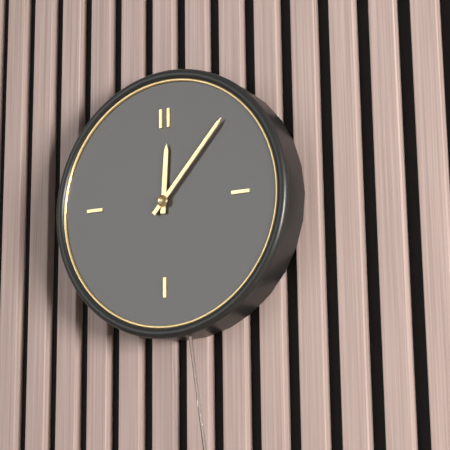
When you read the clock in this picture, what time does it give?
12:07
